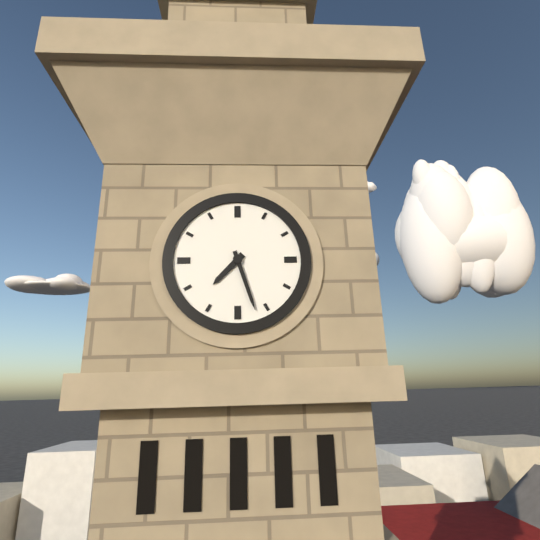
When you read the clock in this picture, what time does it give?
7:27
